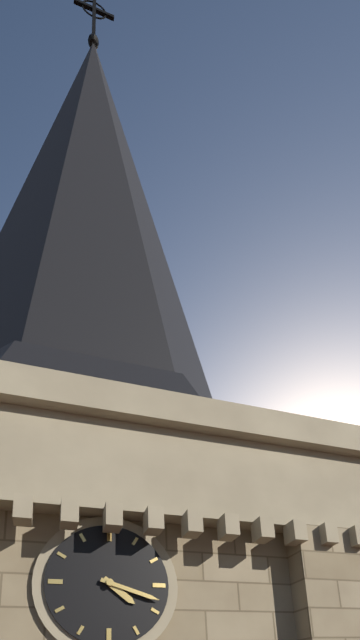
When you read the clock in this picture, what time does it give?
4:18
